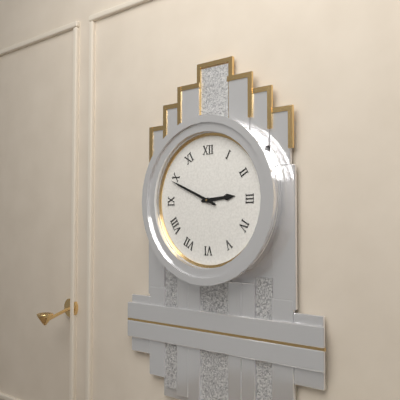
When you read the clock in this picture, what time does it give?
2:49
